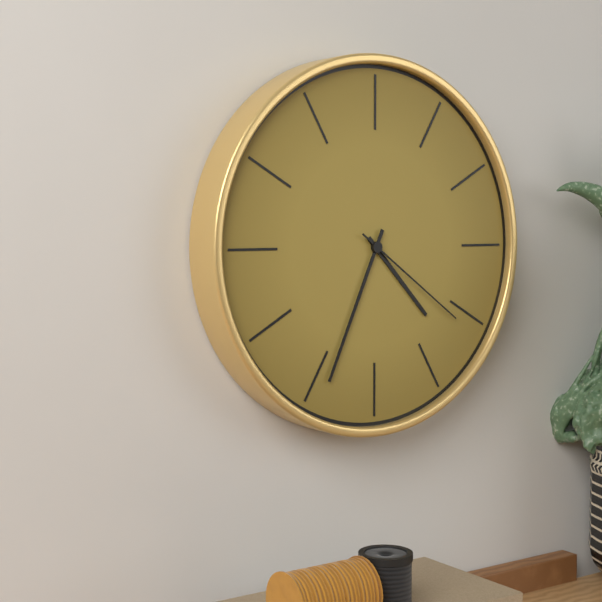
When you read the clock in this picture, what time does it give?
4:34:21
